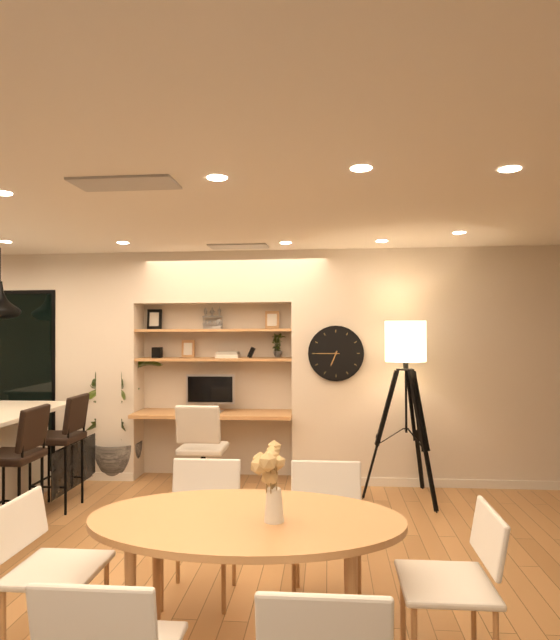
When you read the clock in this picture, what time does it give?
6:45
